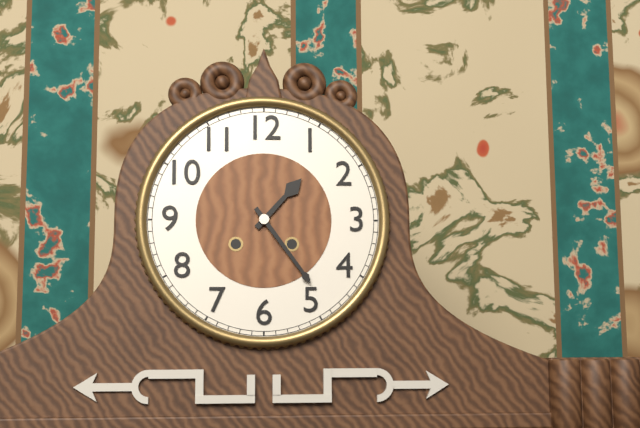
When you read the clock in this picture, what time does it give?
1:24
